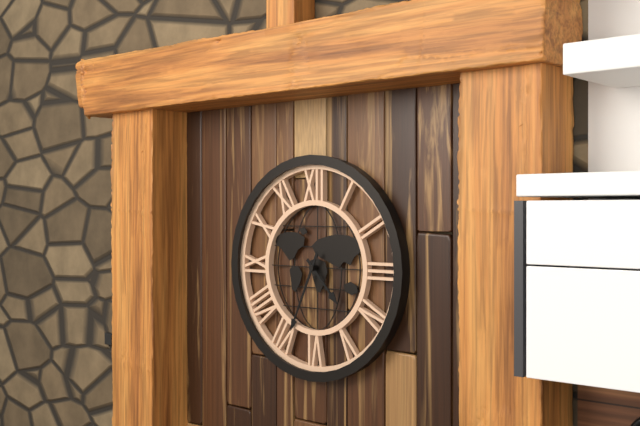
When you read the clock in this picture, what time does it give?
4:34
